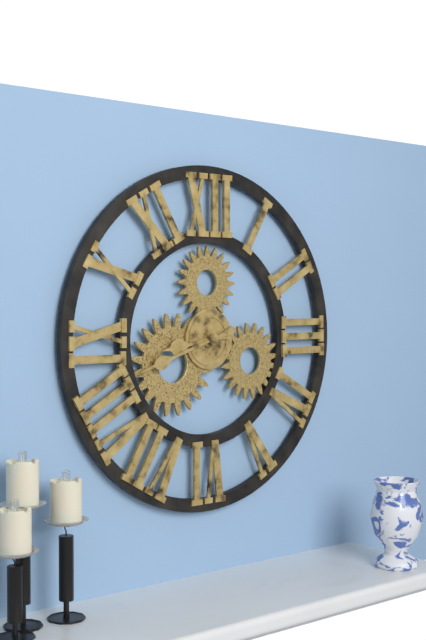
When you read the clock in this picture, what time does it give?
8:42
